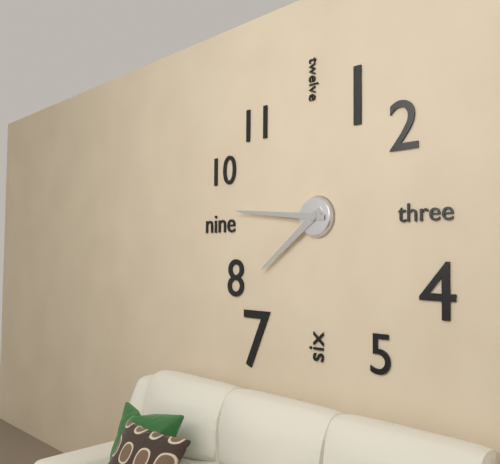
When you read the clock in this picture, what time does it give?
7:46
